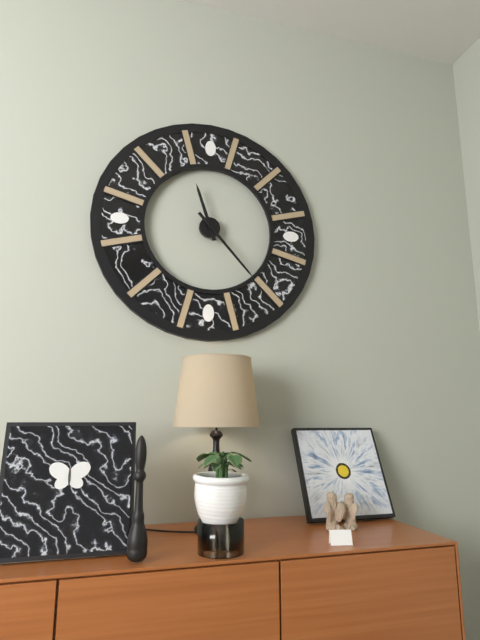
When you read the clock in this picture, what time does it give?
11:23
